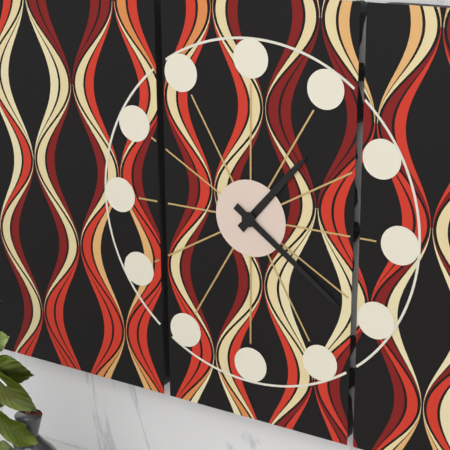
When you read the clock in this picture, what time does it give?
1:21
